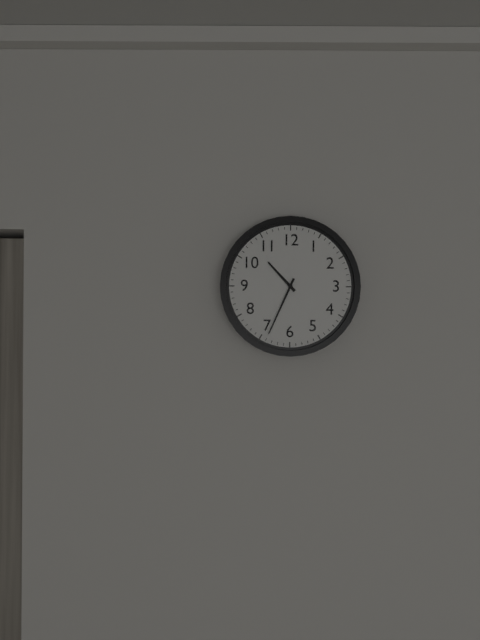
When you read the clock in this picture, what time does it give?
10:34
